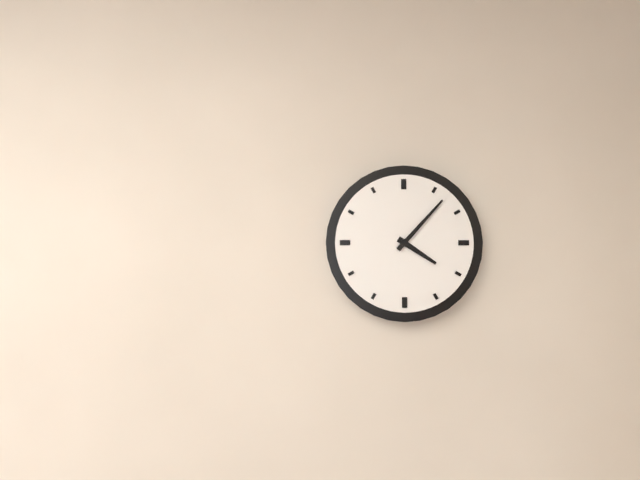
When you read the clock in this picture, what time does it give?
4:07
